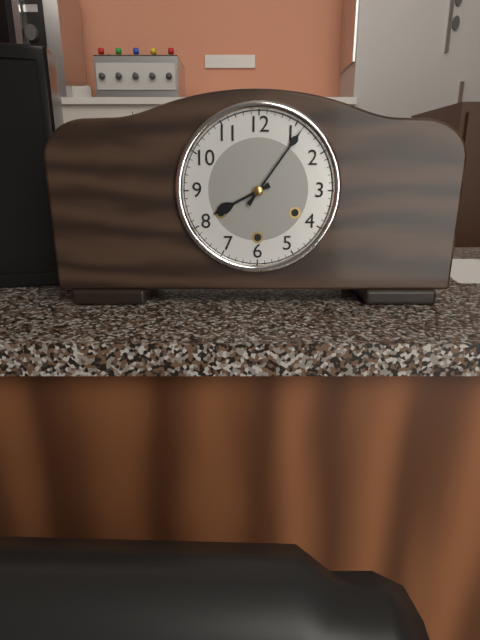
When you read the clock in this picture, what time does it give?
8:06
